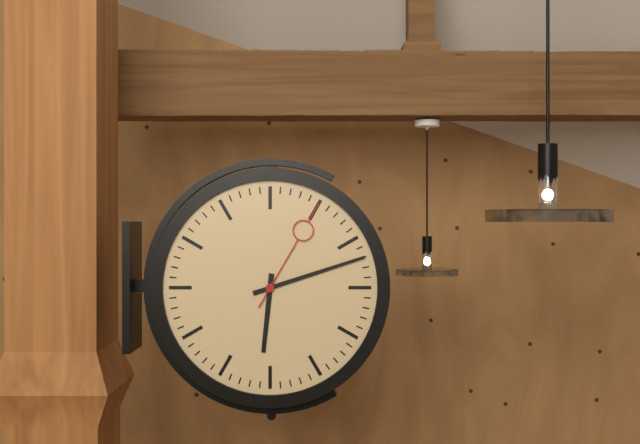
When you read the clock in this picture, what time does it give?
6:12:05
